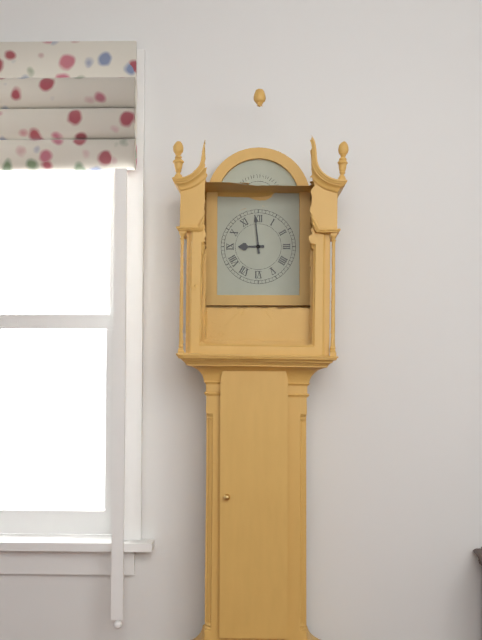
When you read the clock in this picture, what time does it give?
8:59
